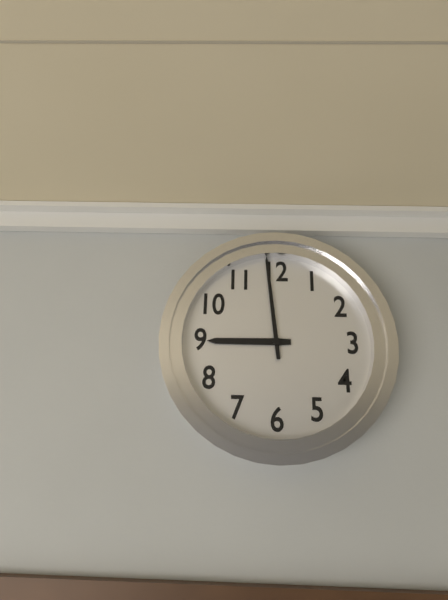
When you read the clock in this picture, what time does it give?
8:59
